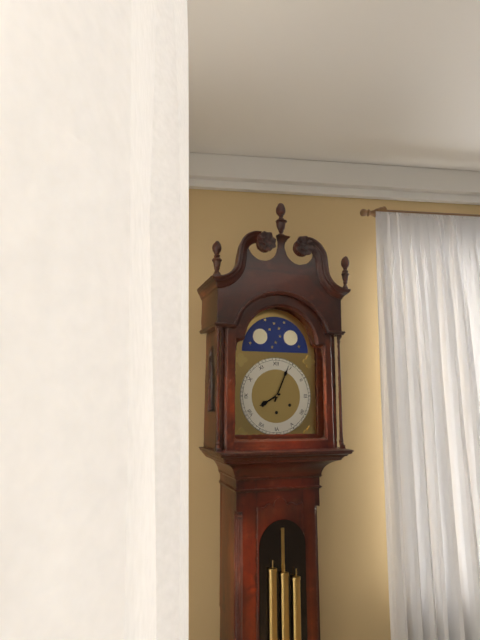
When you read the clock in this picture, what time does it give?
8:04
